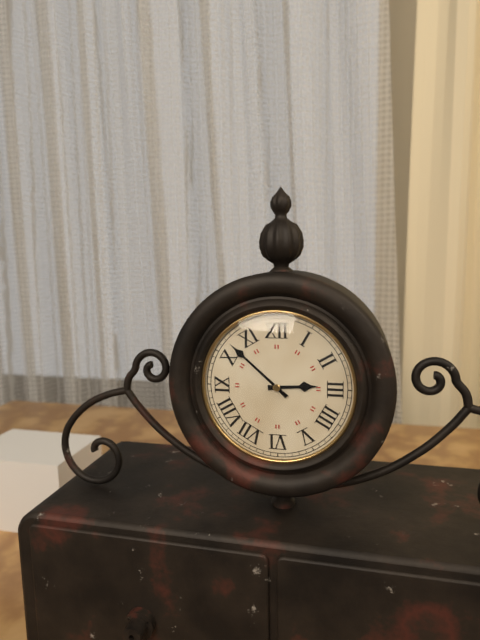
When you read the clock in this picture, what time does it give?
2:52
